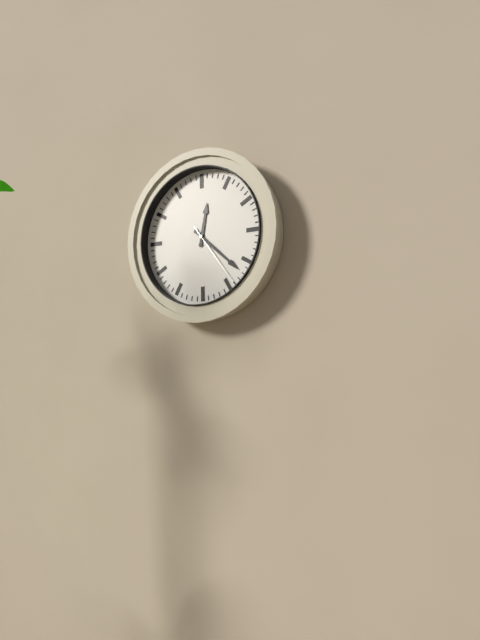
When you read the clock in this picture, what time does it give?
12:22:24
